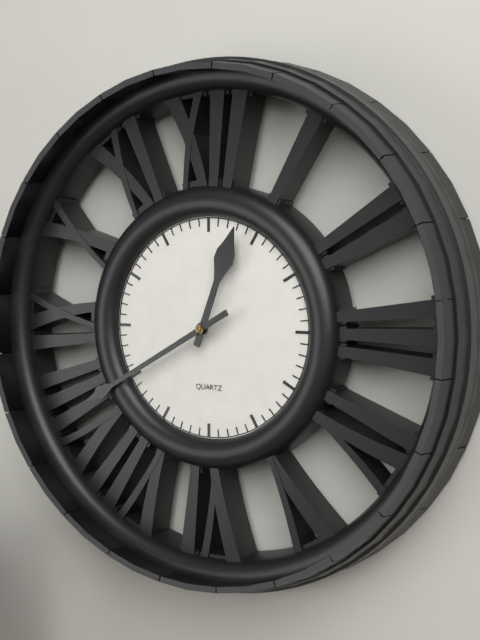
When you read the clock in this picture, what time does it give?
12:40
